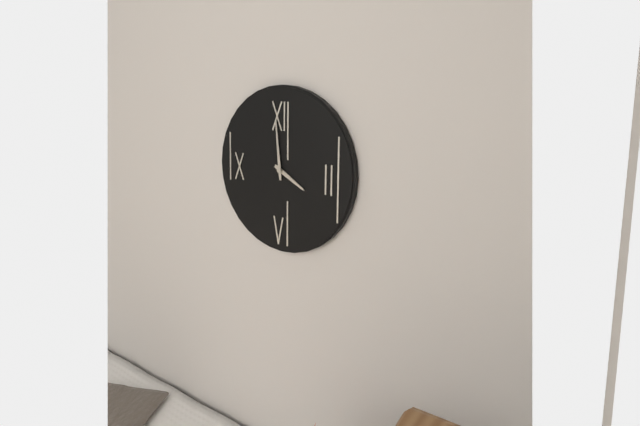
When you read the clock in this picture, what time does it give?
3:59
